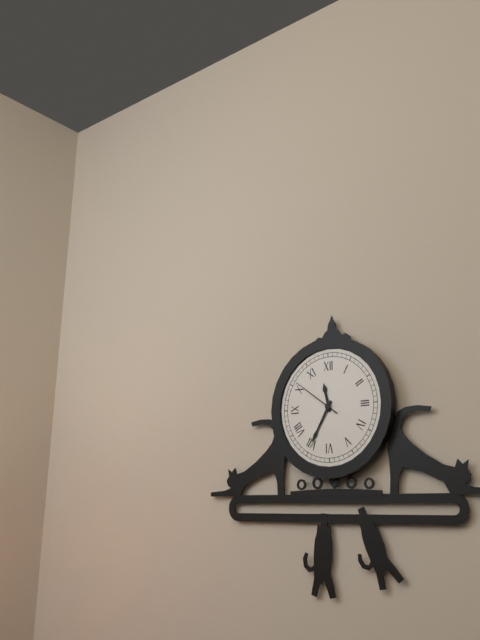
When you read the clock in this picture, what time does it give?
11:35
